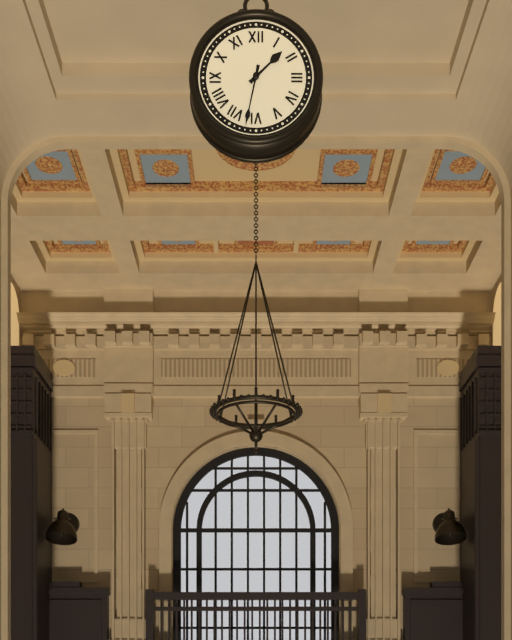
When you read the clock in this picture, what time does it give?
1:32
